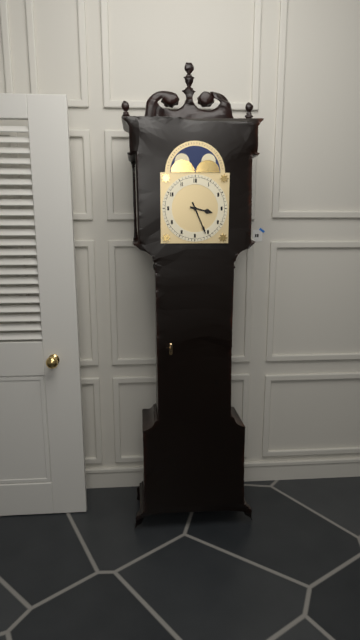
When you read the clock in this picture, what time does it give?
3:26
